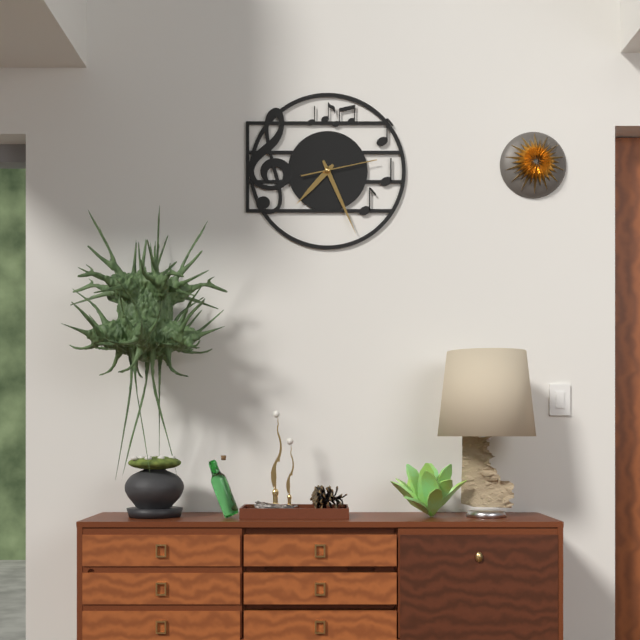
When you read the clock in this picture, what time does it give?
7:26:13
